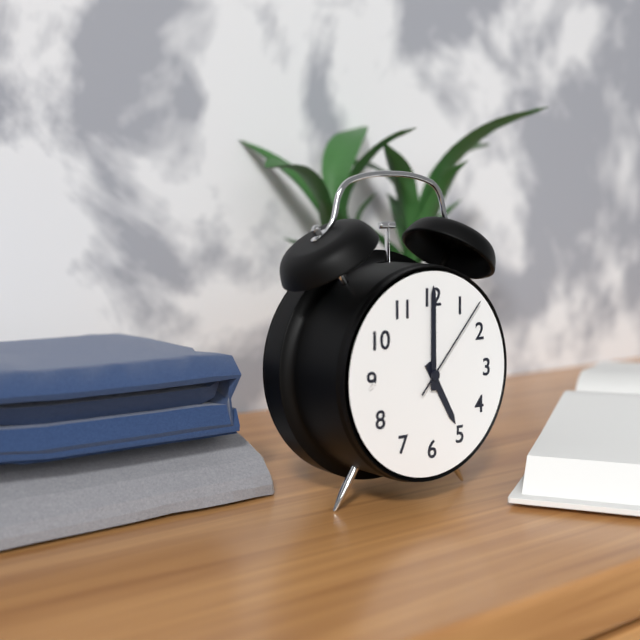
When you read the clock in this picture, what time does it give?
5:00:07
